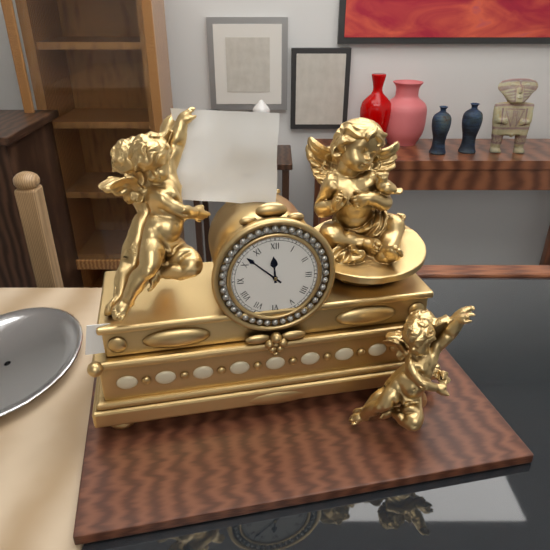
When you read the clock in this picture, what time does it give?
11:52
